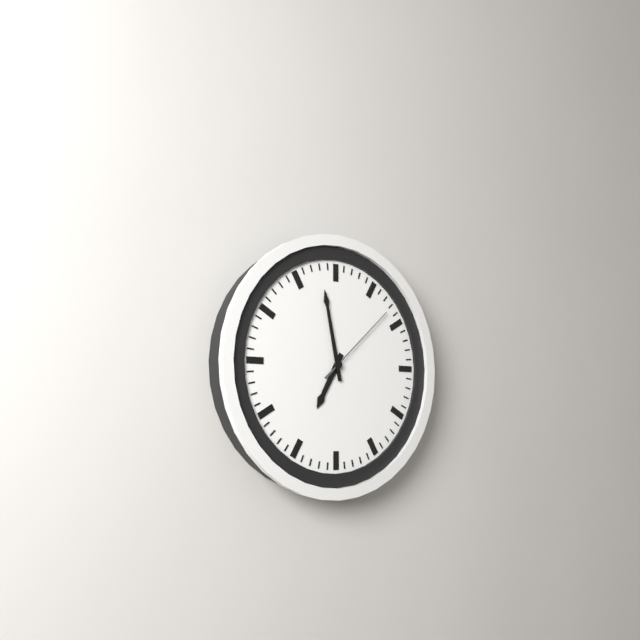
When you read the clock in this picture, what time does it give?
6:58:08
